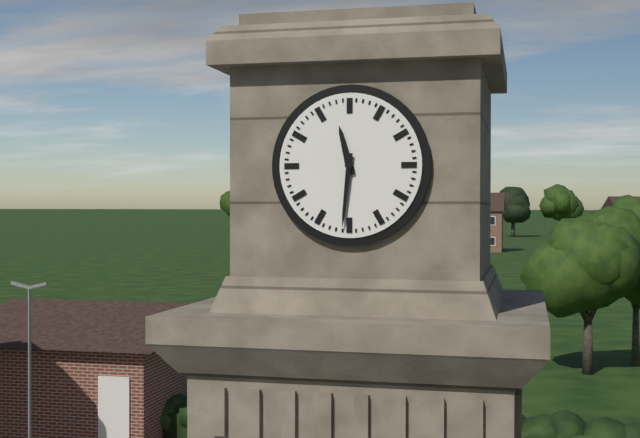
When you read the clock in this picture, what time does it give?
11:31
